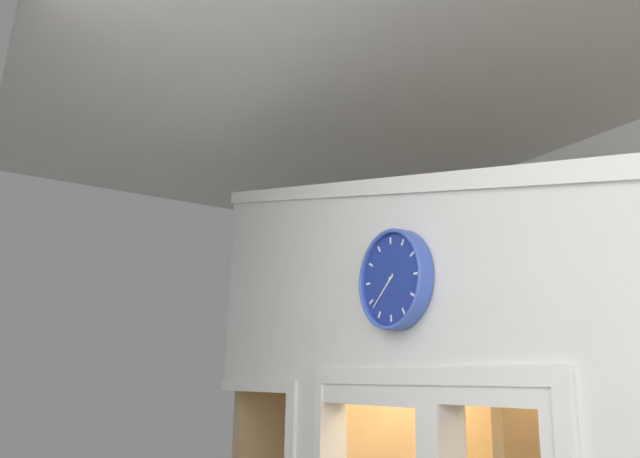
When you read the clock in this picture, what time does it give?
7:38
